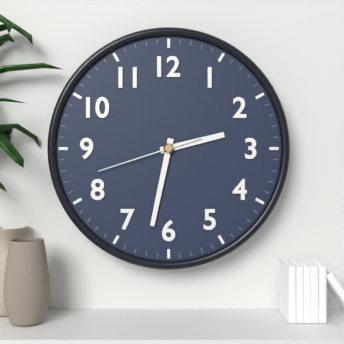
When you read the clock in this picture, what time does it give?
2:32:42
